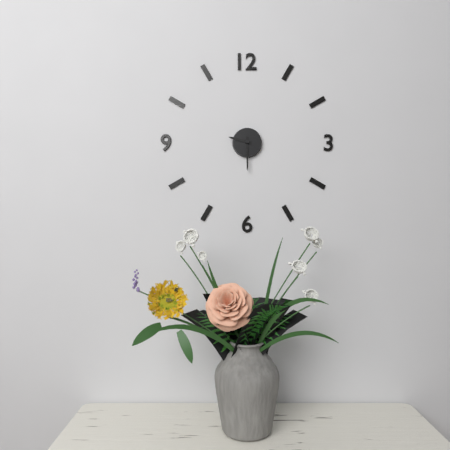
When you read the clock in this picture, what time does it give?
9:30
